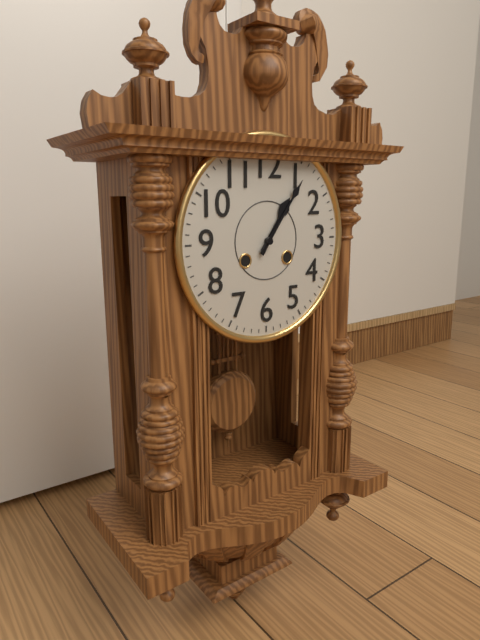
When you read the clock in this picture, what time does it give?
1:06
